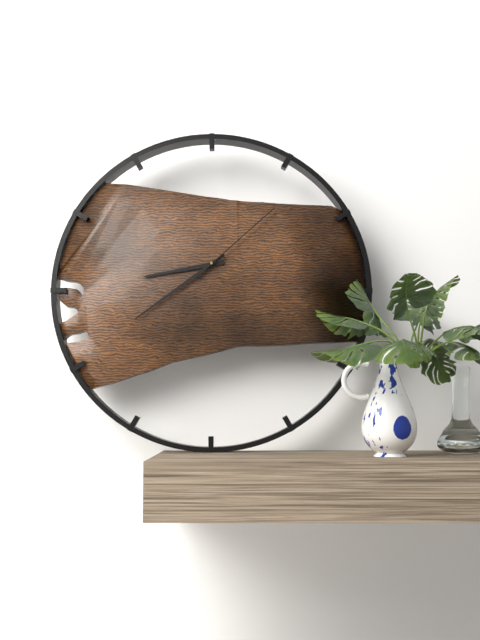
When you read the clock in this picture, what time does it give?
8:39:08
